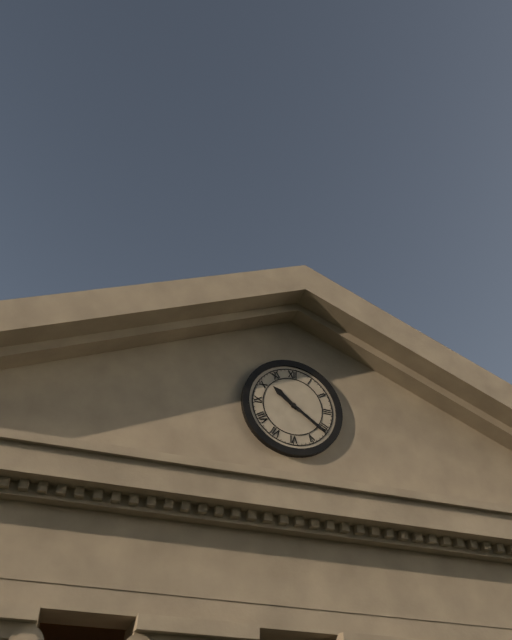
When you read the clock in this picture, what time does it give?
10:21
